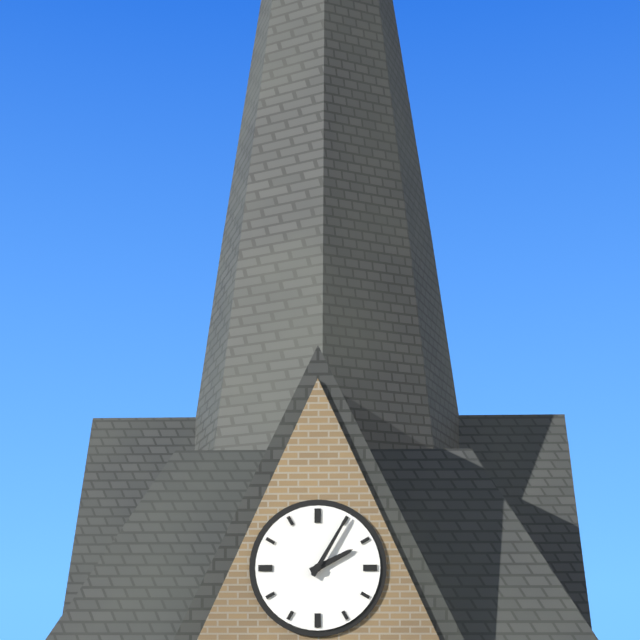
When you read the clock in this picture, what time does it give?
2:05
